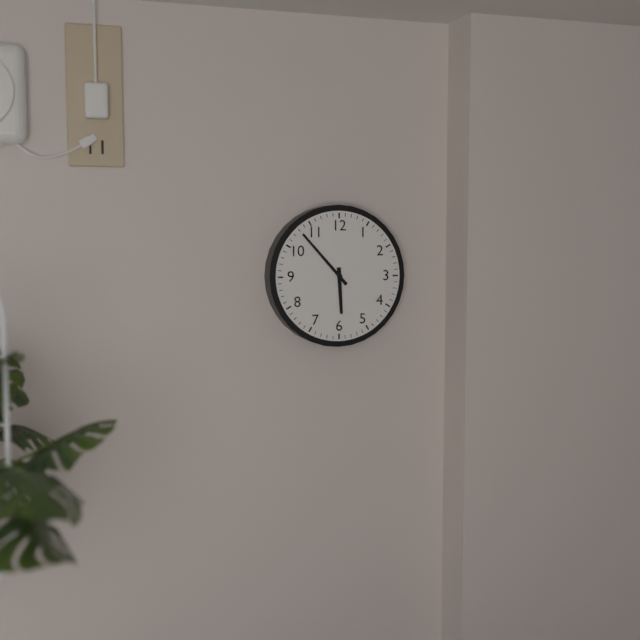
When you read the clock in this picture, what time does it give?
5:53
